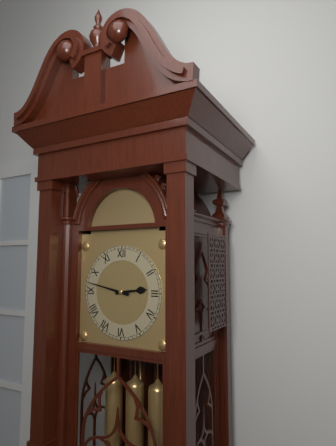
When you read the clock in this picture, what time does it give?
2:47
